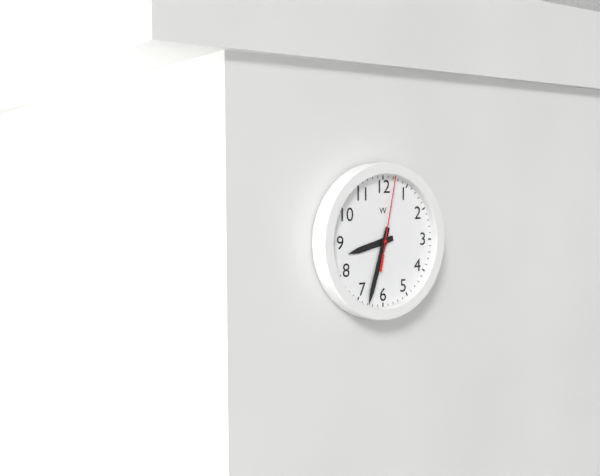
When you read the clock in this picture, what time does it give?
8:33:02
